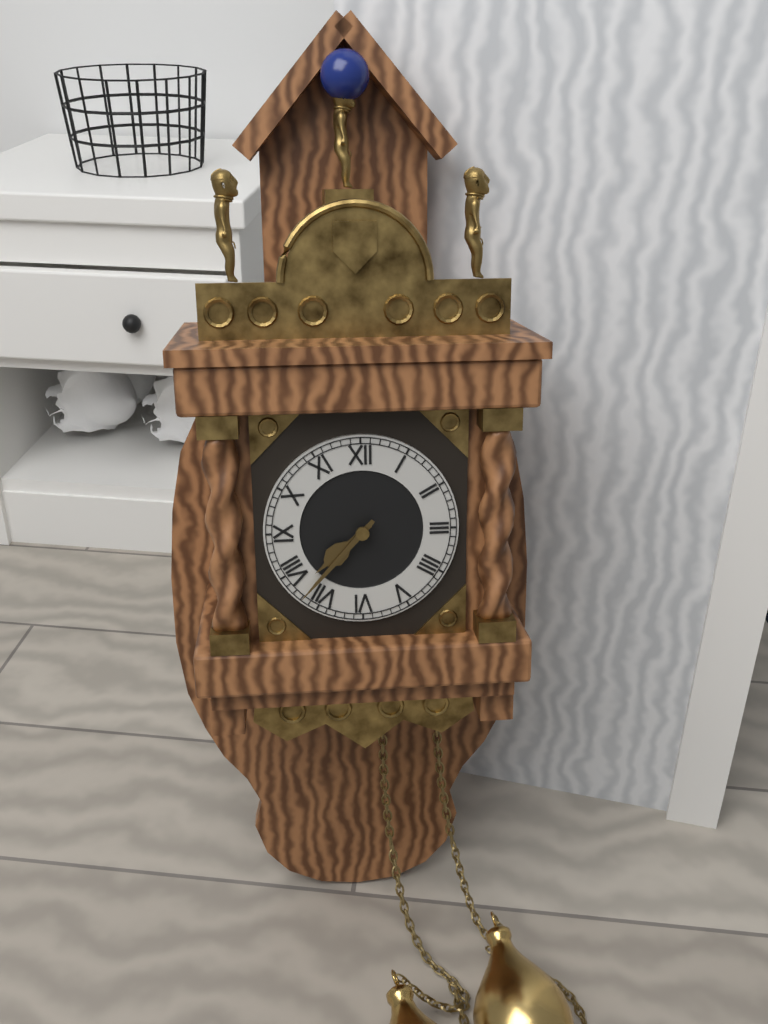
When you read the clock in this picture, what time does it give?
7:37
